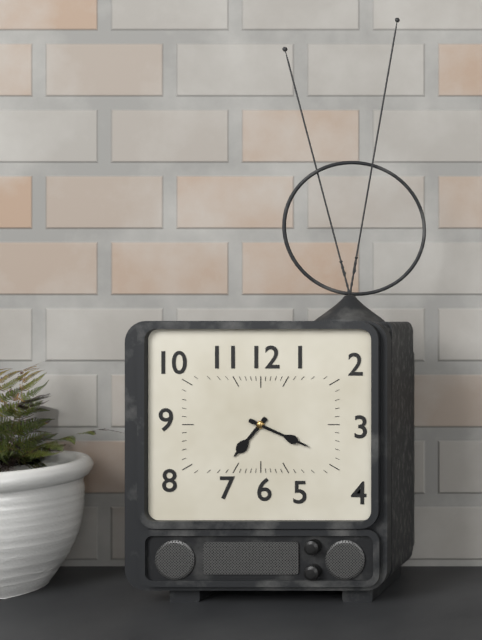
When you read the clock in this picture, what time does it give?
7:19
